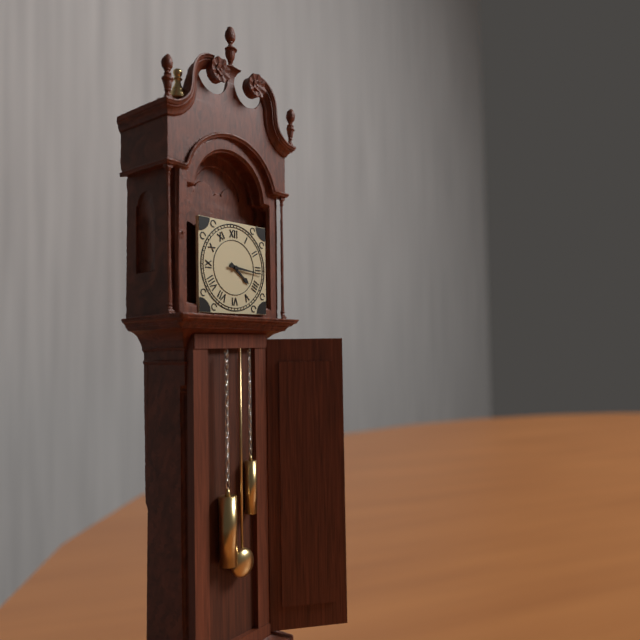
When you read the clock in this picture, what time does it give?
4:16
